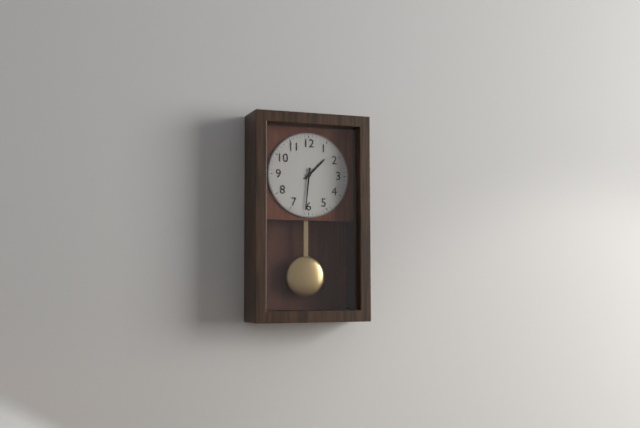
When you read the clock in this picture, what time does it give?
1:31
